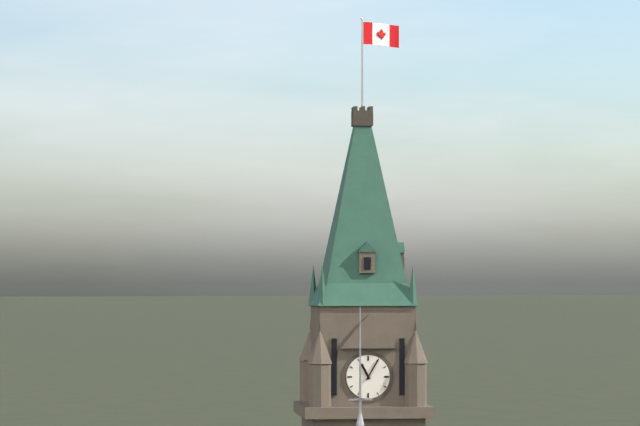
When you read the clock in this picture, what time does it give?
11:05
